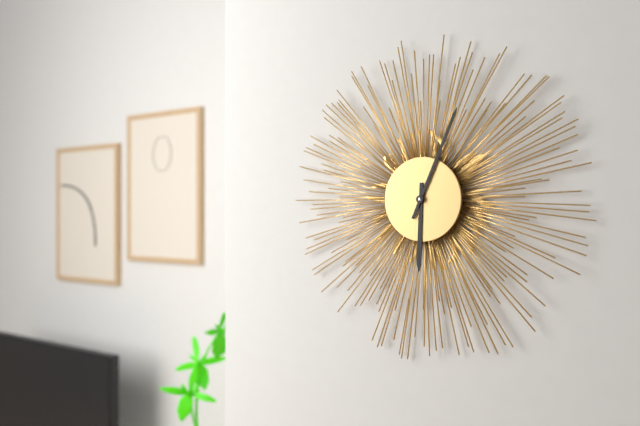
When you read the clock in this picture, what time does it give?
6:04
